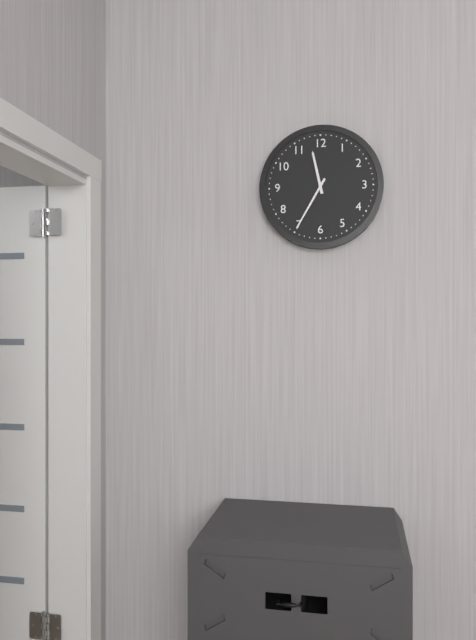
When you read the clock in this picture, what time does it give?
11:35
